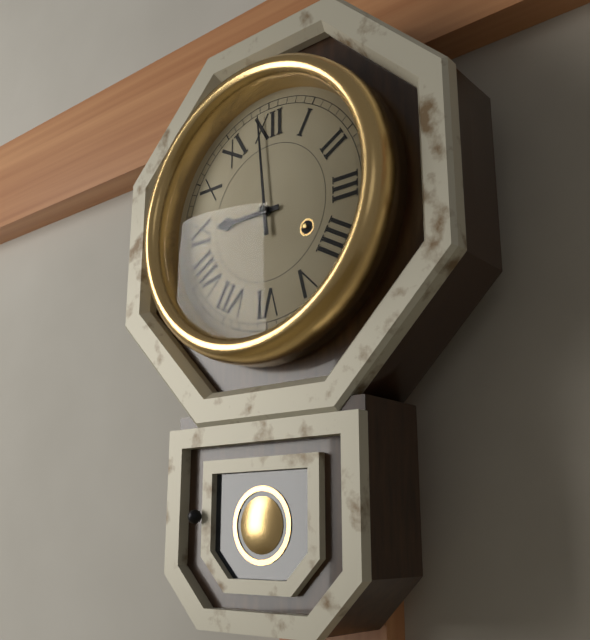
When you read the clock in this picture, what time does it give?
8:59
